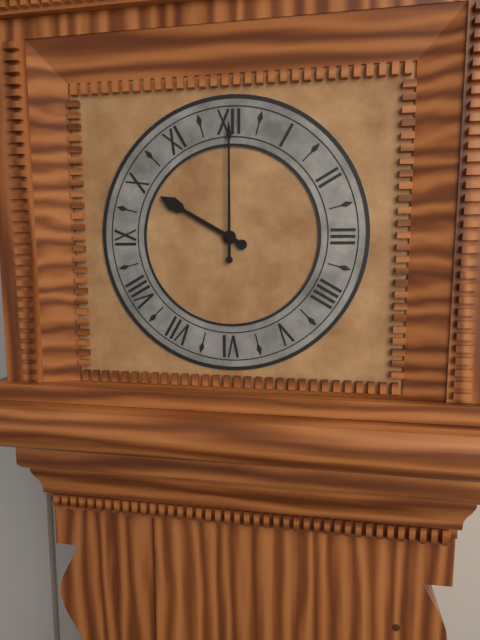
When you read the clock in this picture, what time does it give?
10:00
